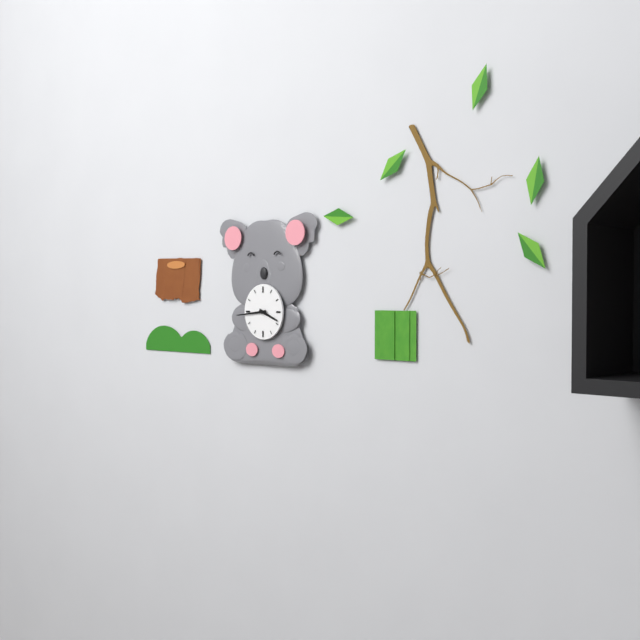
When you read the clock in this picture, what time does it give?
3:44
